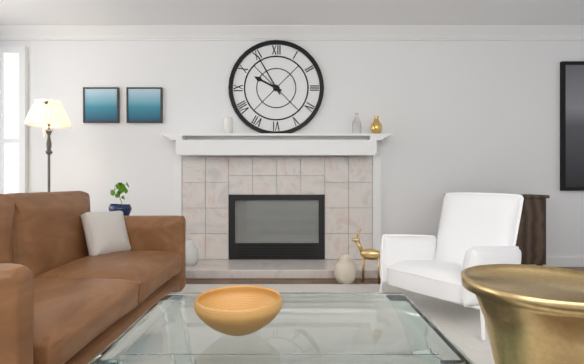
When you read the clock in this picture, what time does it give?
9:55
